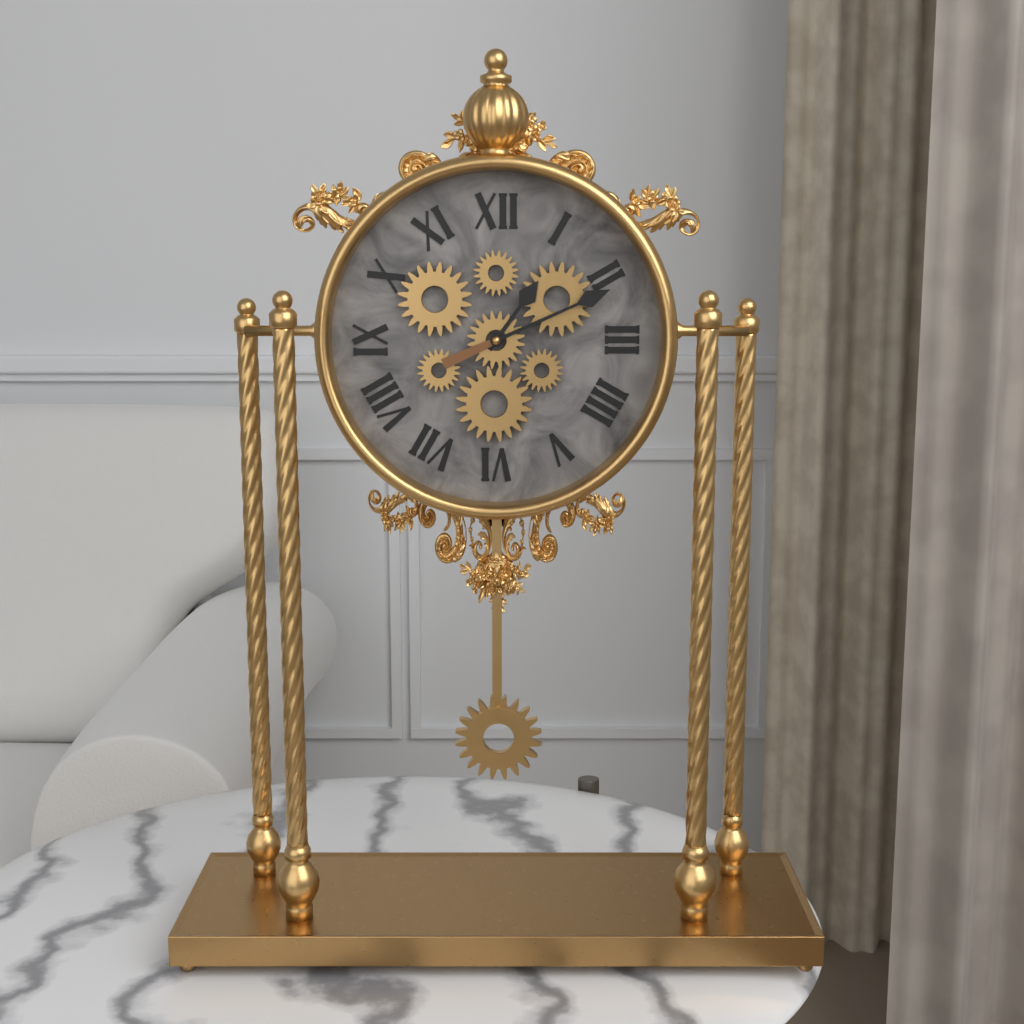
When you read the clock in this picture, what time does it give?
1:11
